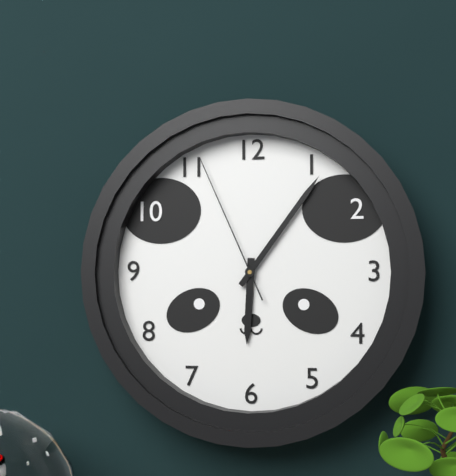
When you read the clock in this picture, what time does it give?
6:06:56
